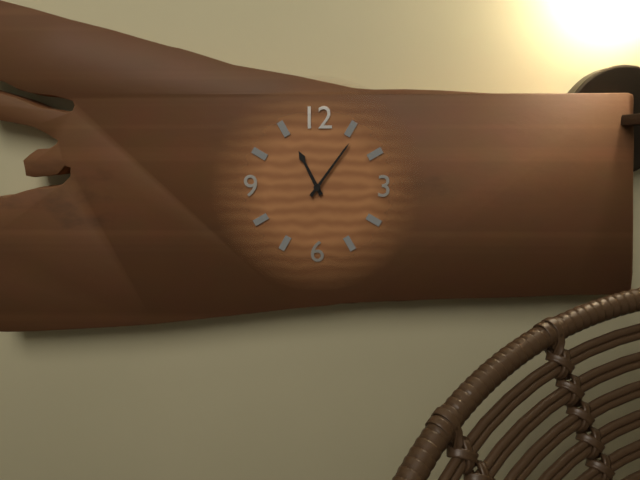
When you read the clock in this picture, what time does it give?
11:06
